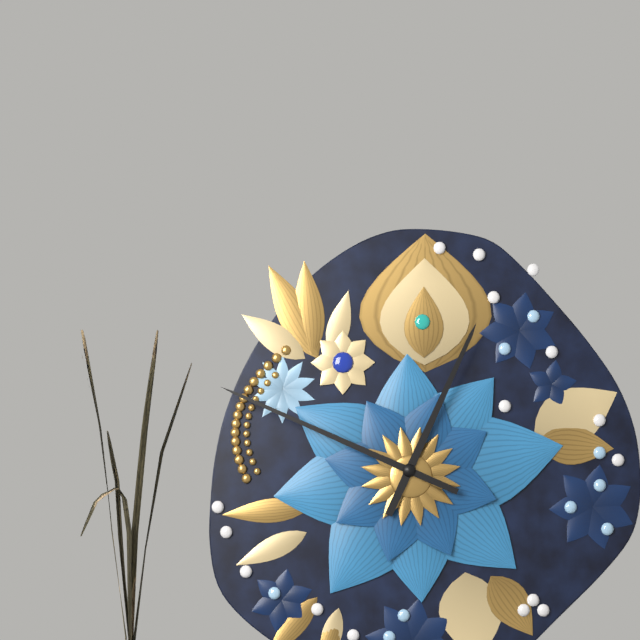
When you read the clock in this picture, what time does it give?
12:49
